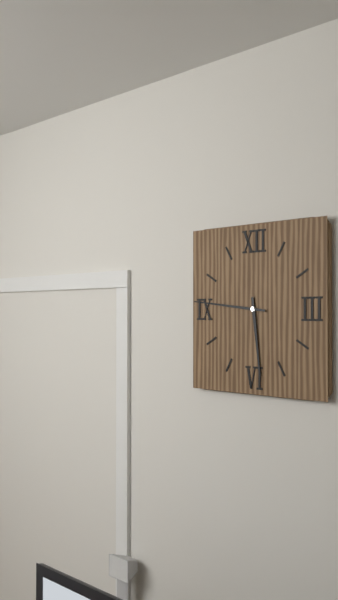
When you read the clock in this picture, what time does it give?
5:46
